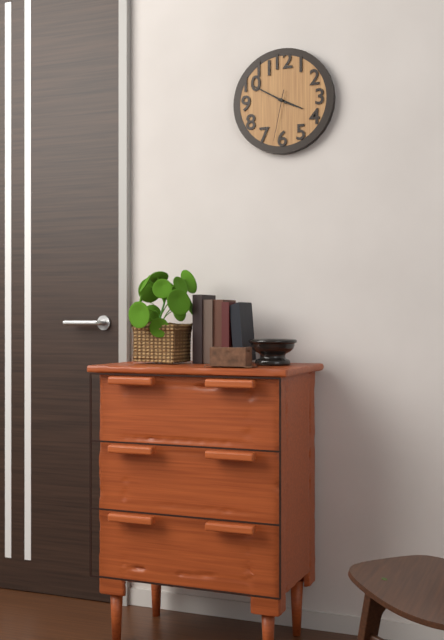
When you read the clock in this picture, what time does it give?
3:50:32
